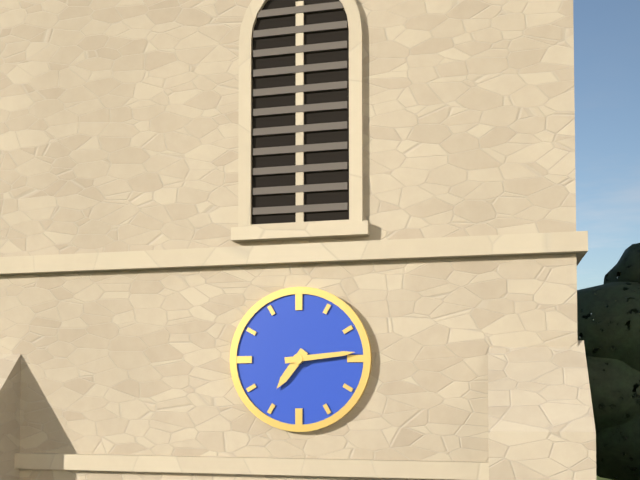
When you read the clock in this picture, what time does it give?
7:14
